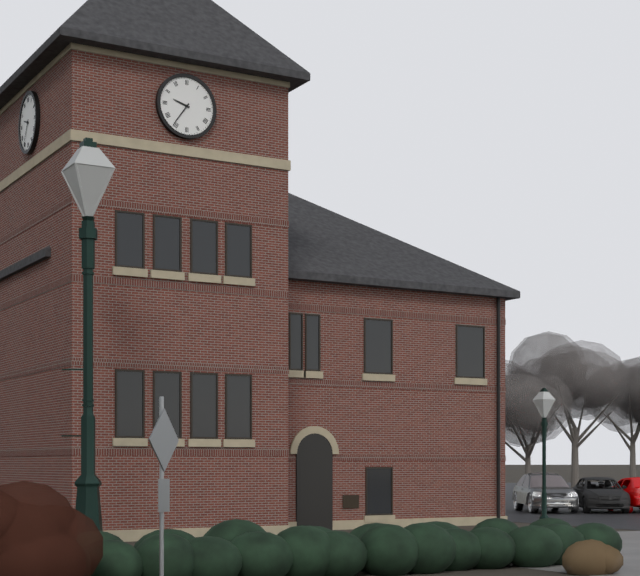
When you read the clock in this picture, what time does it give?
9:36
